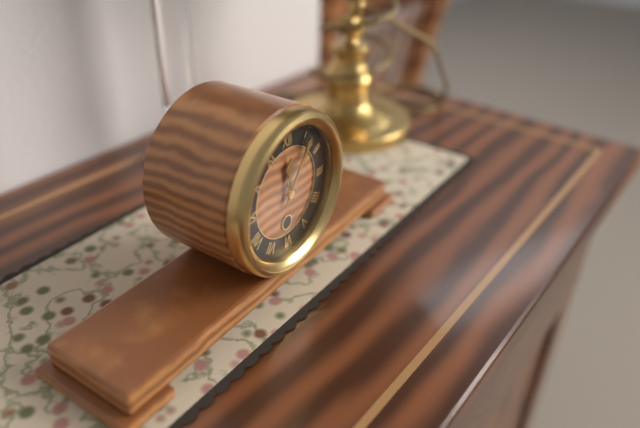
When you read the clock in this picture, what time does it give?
12:06
